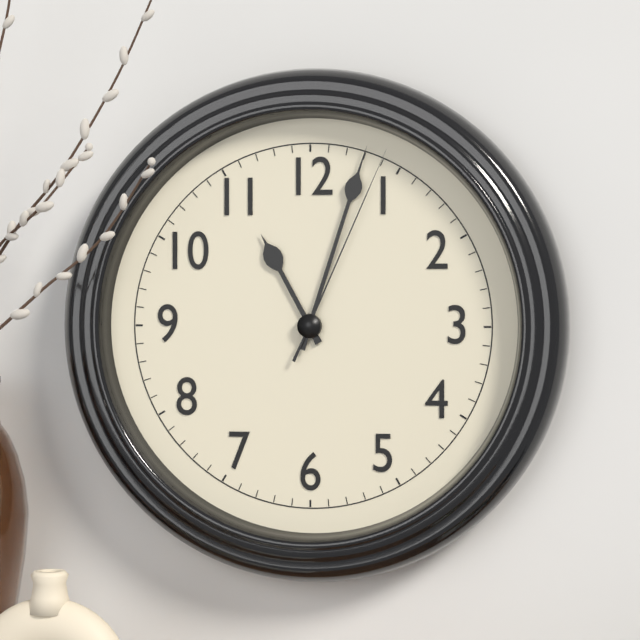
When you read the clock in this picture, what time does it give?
11:03:04
